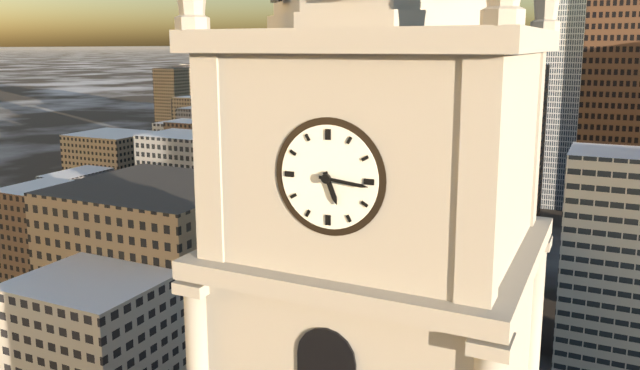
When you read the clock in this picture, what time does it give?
5:16
